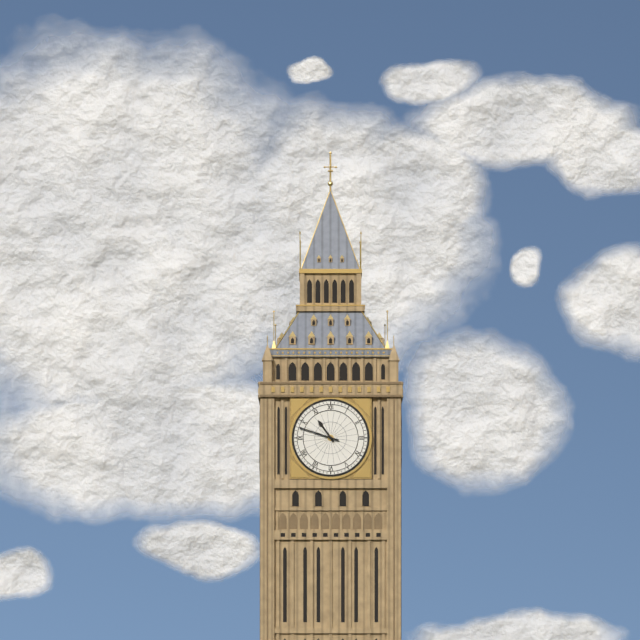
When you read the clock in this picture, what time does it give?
10:48
